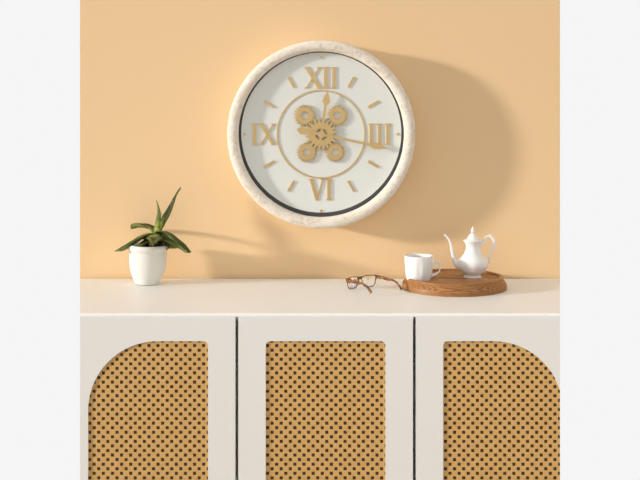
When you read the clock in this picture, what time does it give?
12:17
